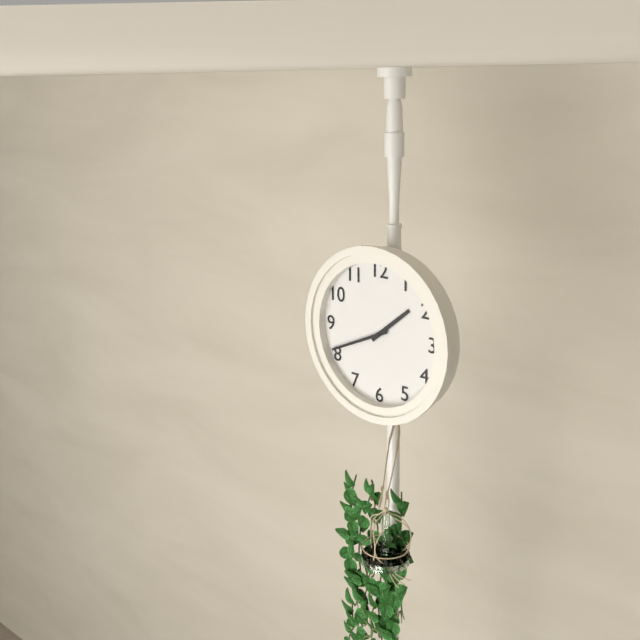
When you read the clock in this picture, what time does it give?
1:41
